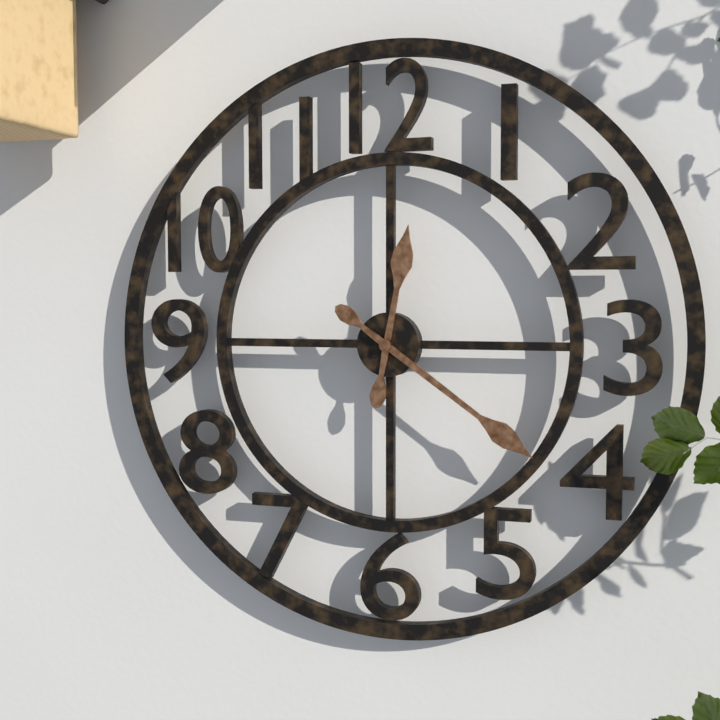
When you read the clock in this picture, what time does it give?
12:21
